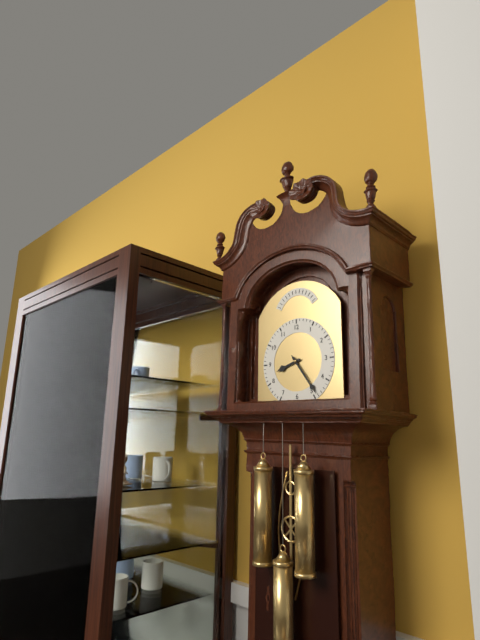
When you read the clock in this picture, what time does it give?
8:24
